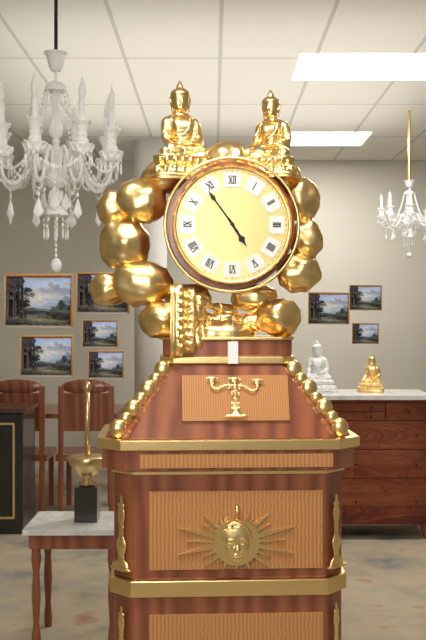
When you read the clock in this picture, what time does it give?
4:54
